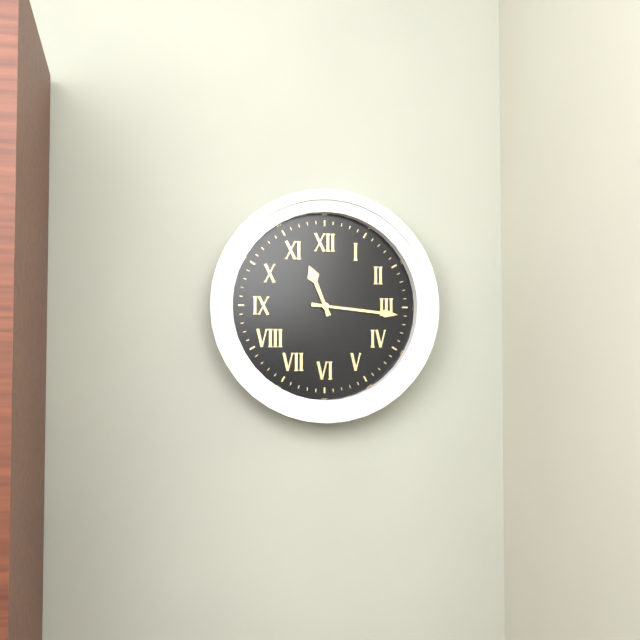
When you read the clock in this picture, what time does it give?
11:16
